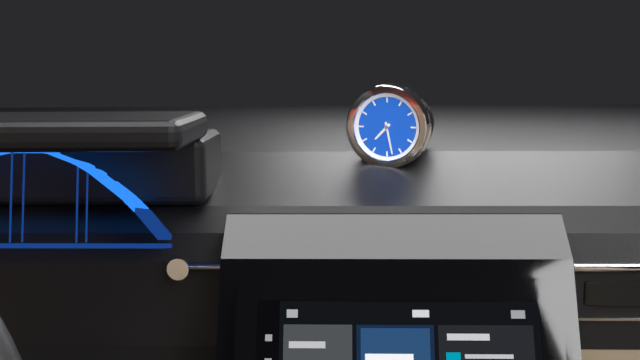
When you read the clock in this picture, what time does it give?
7:28
